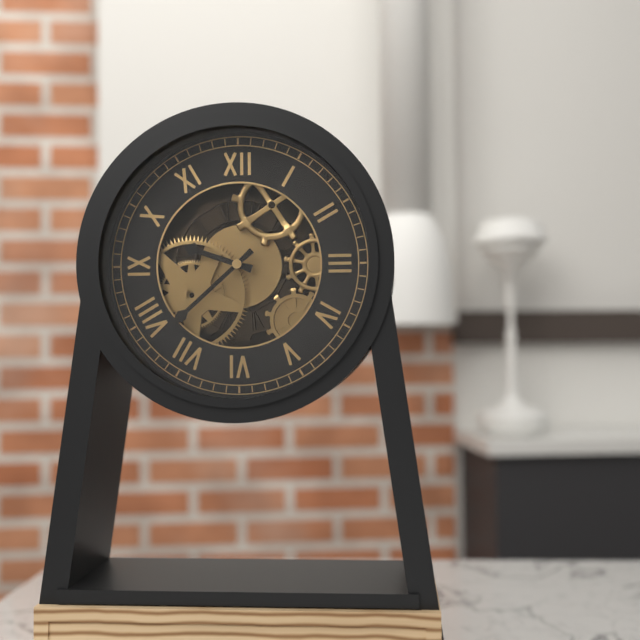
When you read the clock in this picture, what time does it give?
9:38
